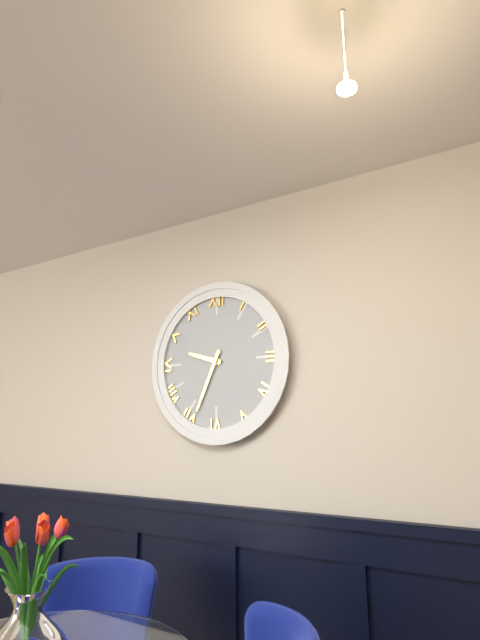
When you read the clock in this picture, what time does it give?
9:34
